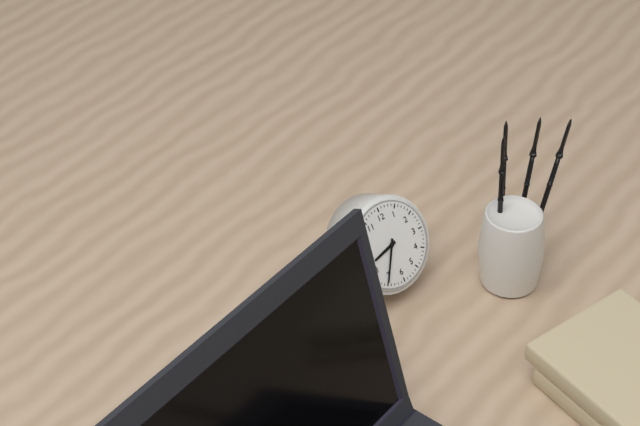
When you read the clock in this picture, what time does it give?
8:35
